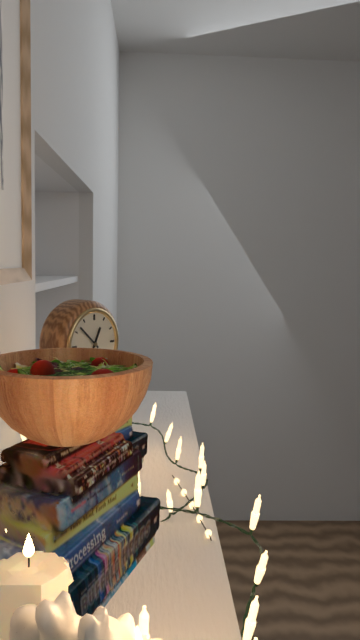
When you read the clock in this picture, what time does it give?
12:52
